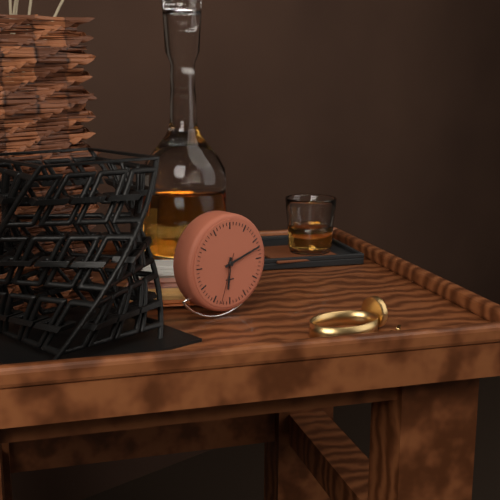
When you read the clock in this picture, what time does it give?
6:12:33
